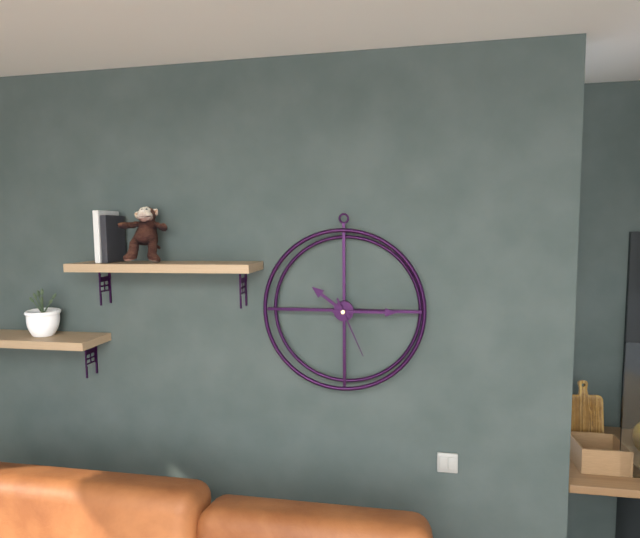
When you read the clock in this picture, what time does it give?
10:15:26
